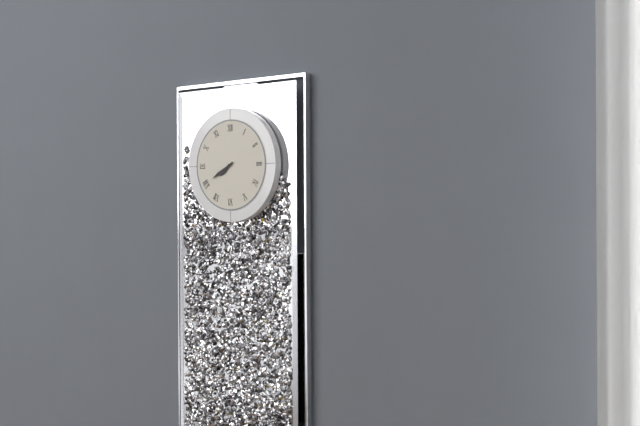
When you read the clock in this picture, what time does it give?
7:40
